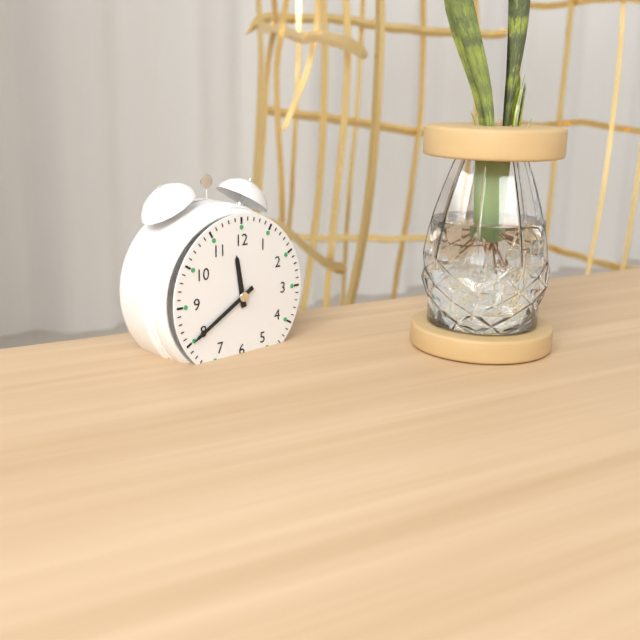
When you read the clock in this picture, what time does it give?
11:40
